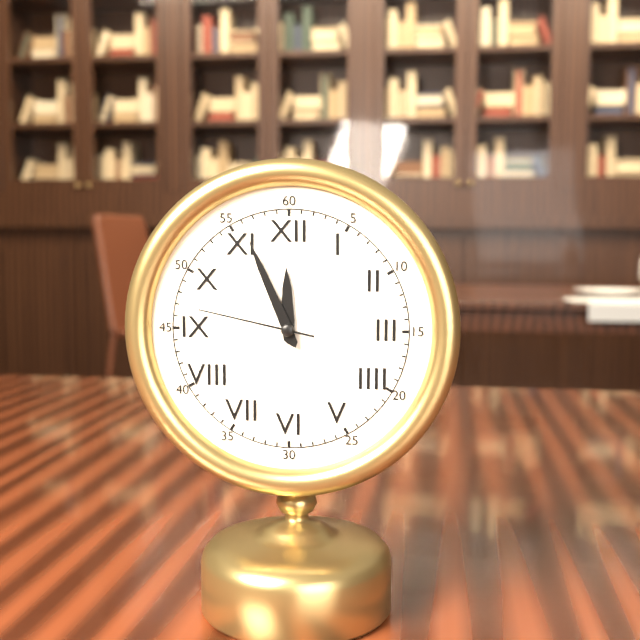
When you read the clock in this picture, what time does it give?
11:56:47
